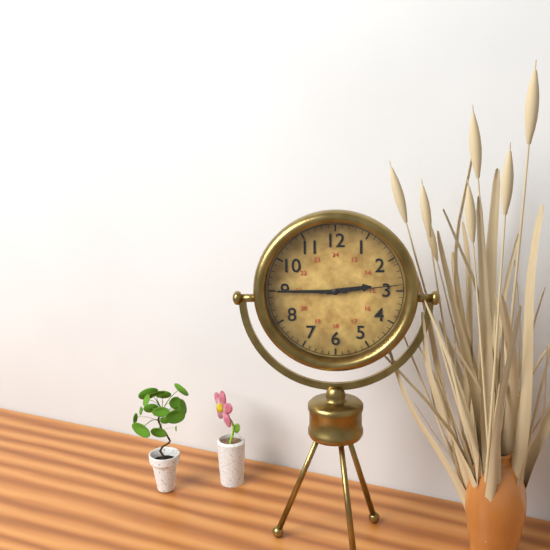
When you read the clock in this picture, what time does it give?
2:45:14
